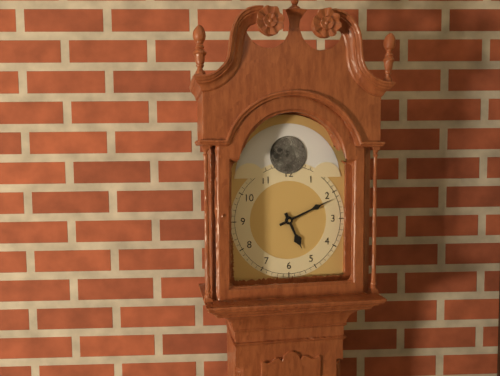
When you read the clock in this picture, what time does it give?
5:11
